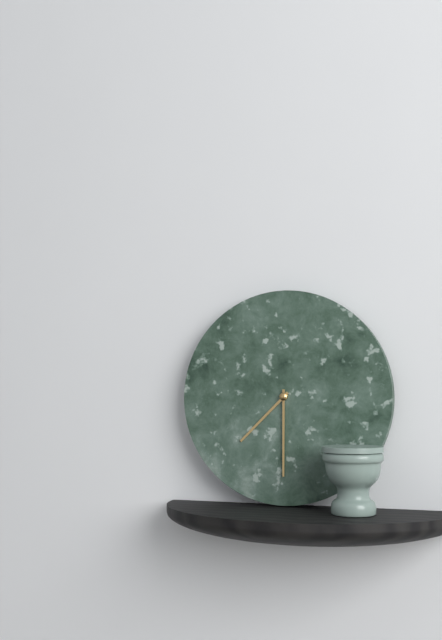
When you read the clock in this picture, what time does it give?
7:30
